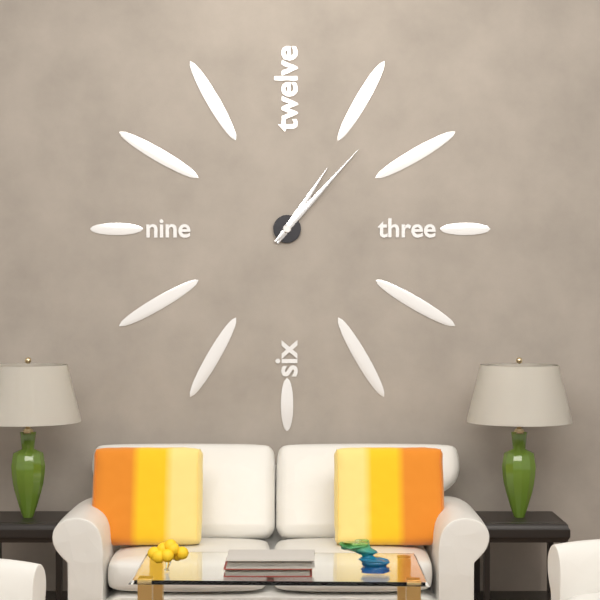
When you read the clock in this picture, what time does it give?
1:07
